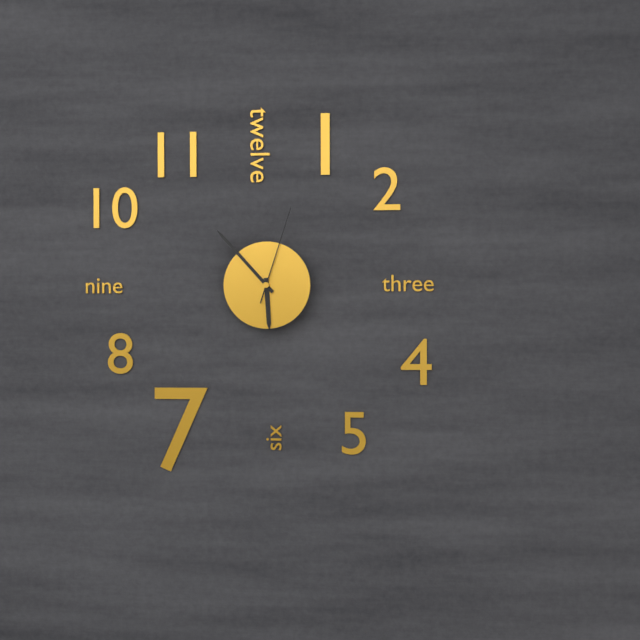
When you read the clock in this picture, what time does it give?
5:53:03
